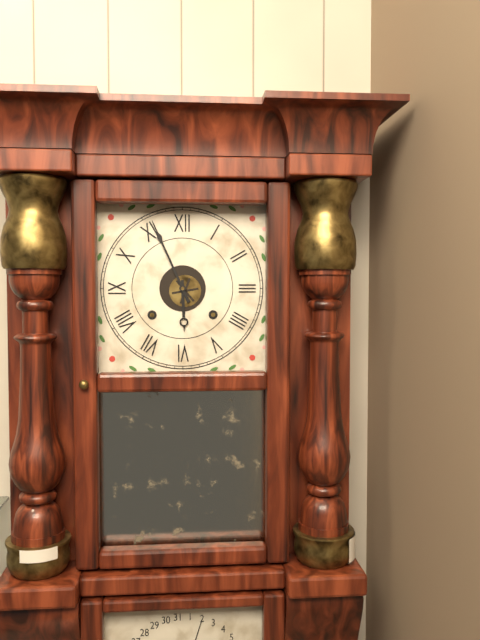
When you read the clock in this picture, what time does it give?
5:56
